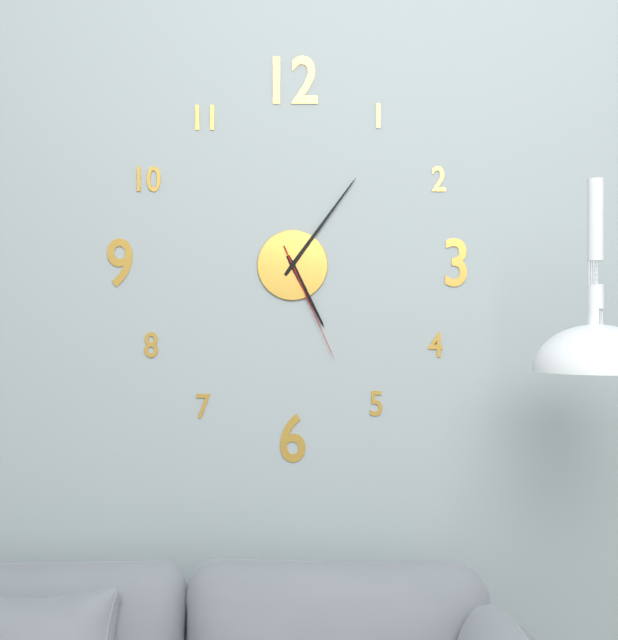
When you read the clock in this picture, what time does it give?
5:06:26
